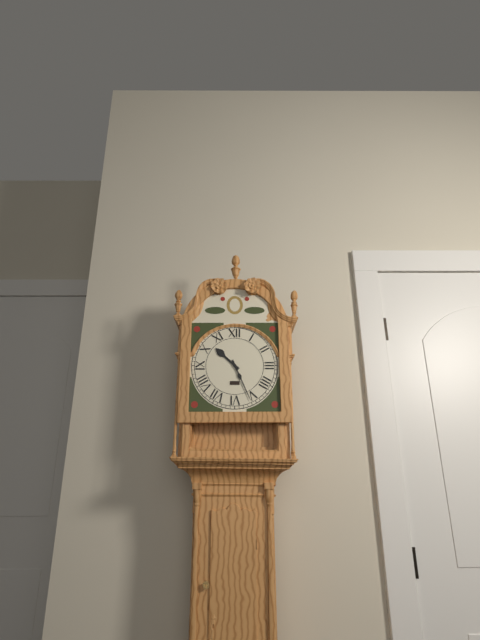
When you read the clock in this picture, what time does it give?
10:26
